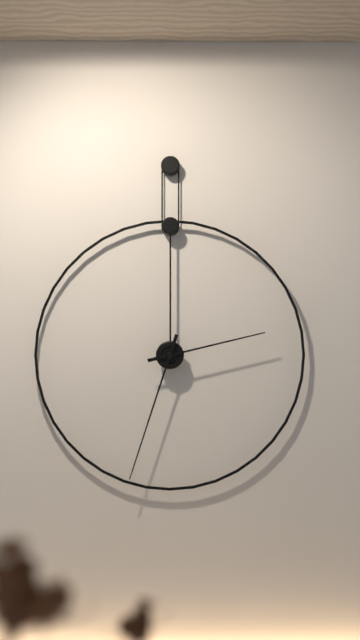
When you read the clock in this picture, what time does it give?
2:33
